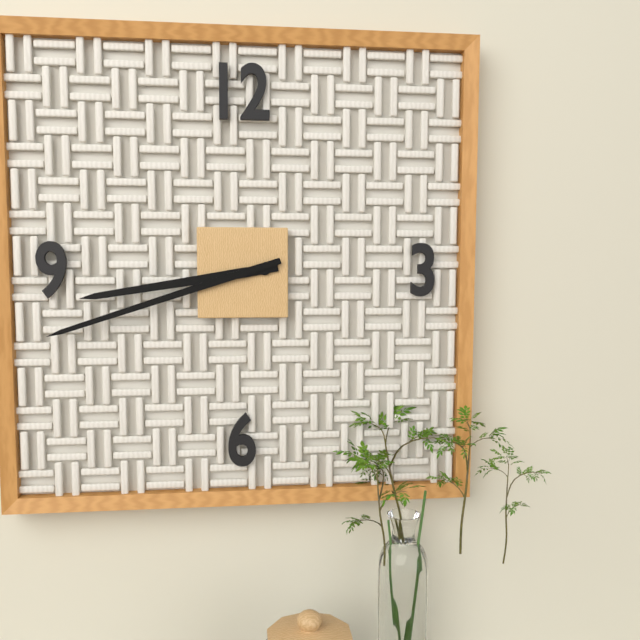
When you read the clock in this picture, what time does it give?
8:42
